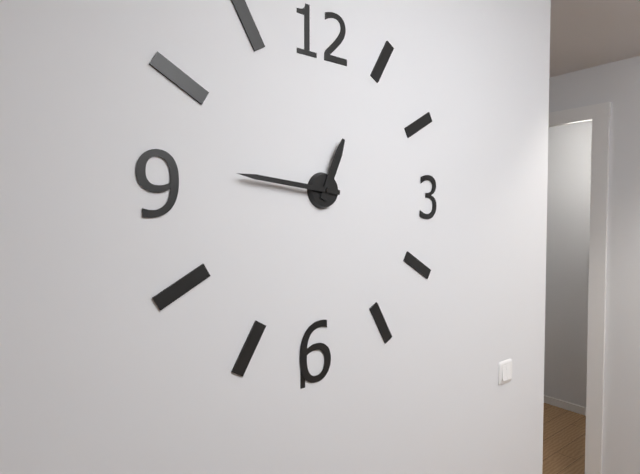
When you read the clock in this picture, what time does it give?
12:46
